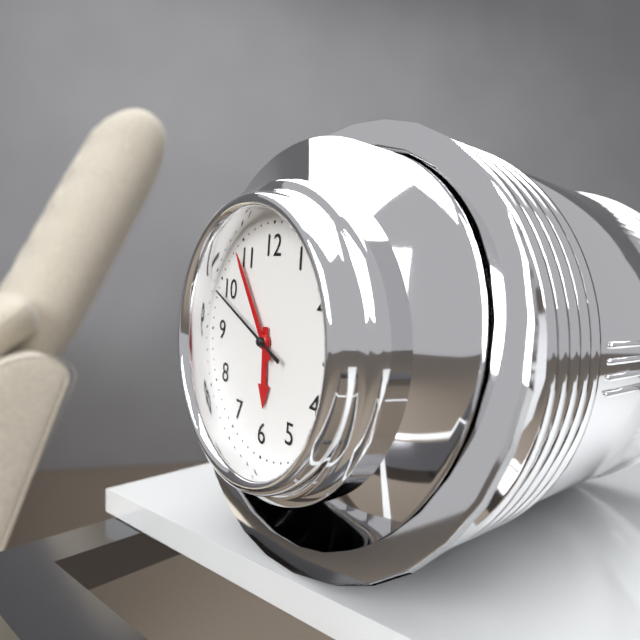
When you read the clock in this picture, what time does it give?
5:54:49
